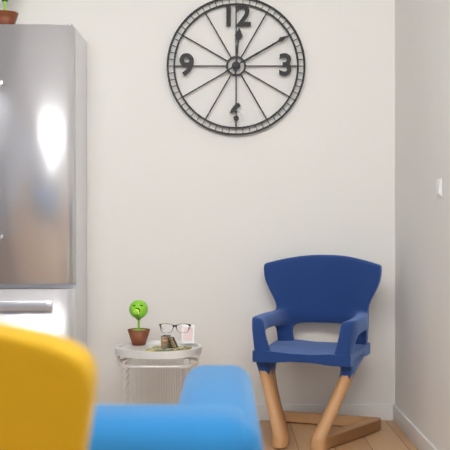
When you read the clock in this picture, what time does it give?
12:10
